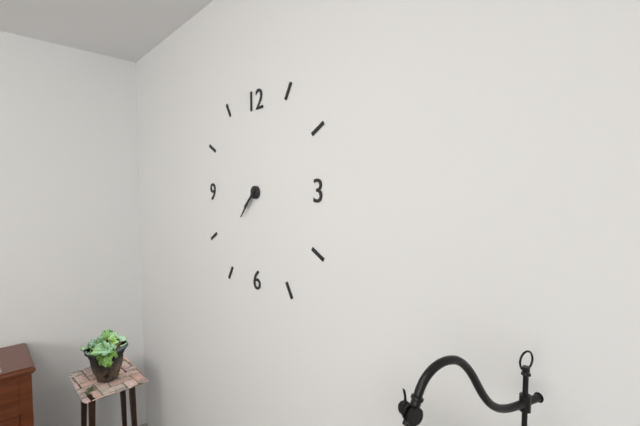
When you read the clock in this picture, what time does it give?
7:37
